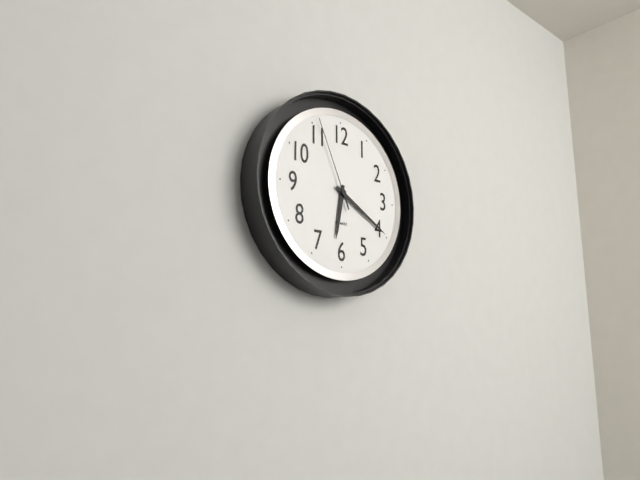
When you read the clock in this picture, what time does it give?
6:20:56
